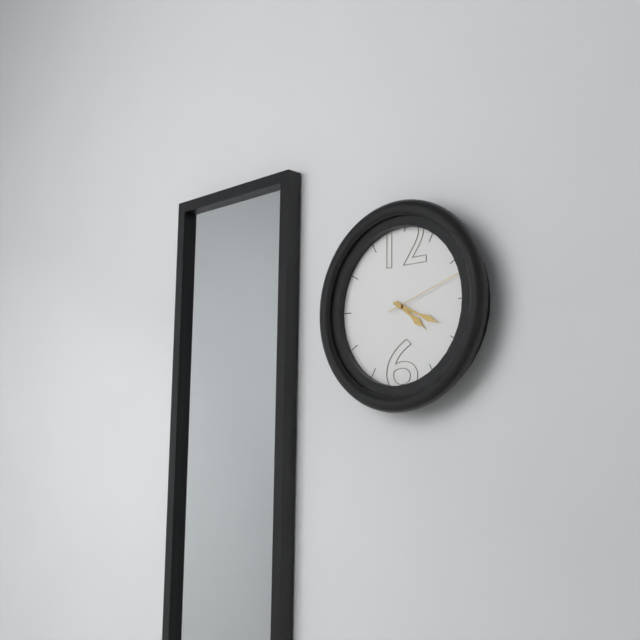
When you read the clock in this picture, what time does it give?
4:19:12
